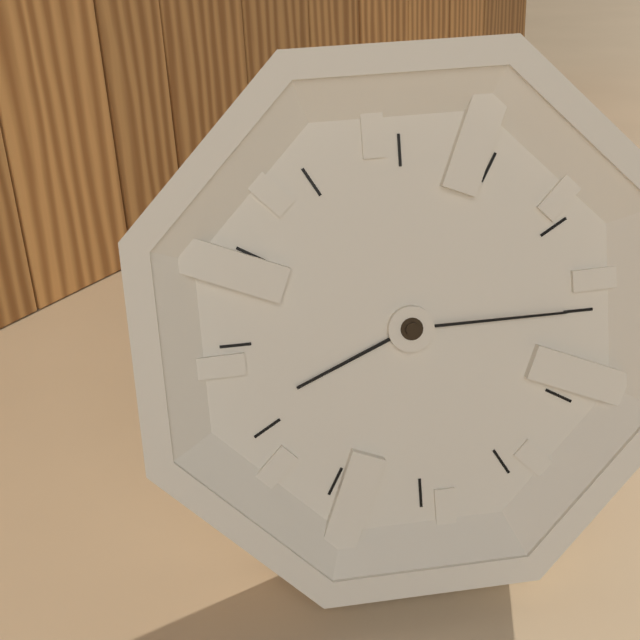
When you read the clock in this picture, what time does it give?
8:15
